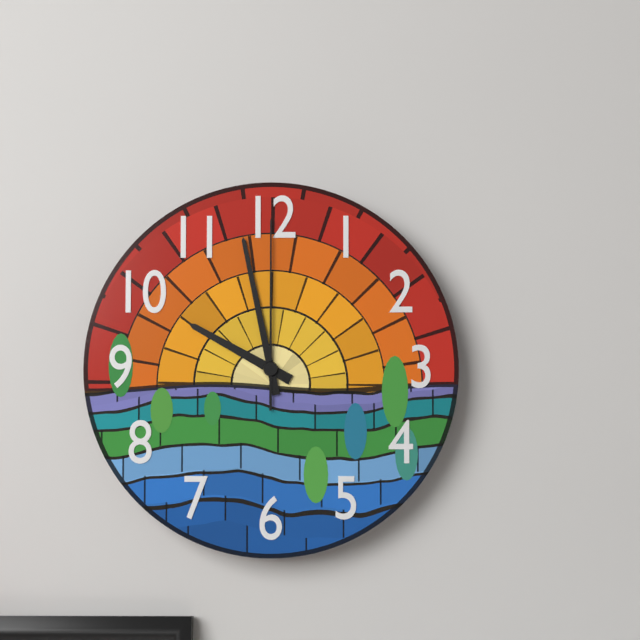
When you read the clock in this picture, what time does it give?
9:58:00
